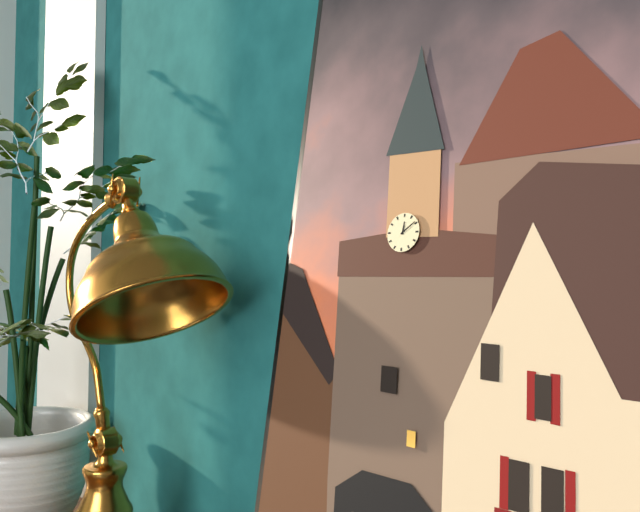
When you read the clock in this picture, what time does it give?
12:09
